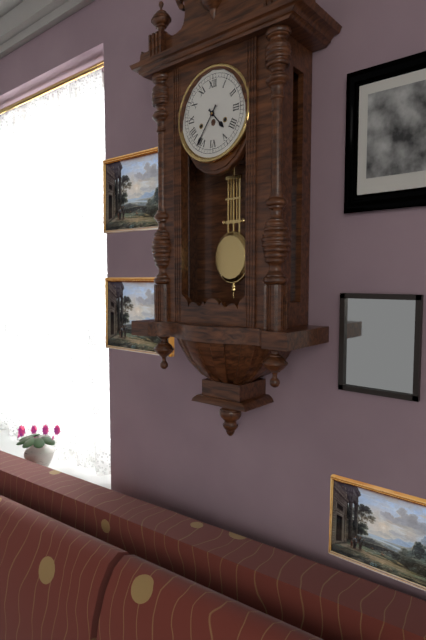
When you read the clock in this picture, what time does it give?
4:36
